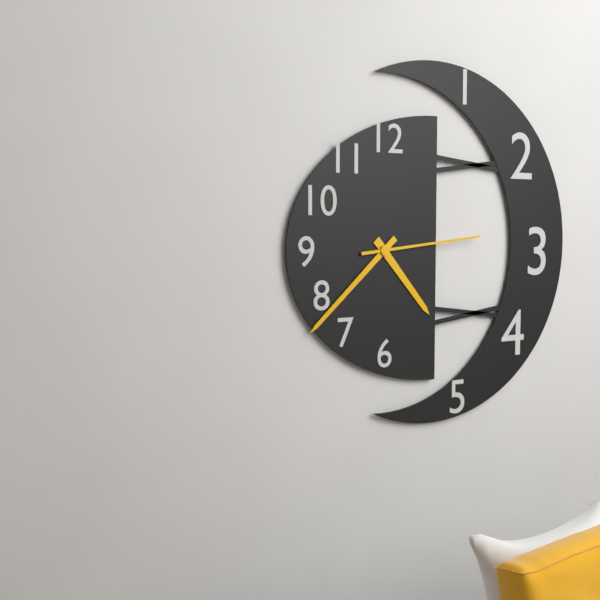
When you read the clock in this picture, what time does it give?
4:38:14
